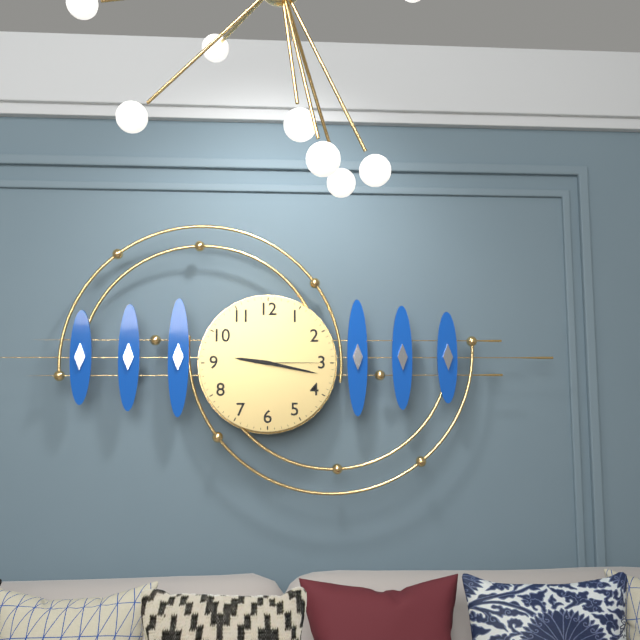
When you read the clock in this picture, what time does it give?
9:17:15
